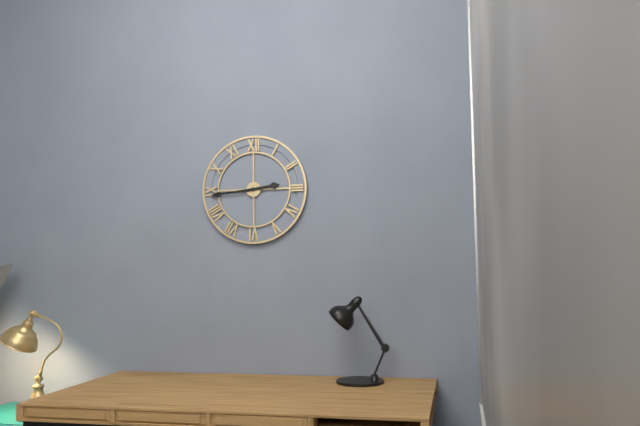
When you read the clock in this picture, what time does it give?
2:44
